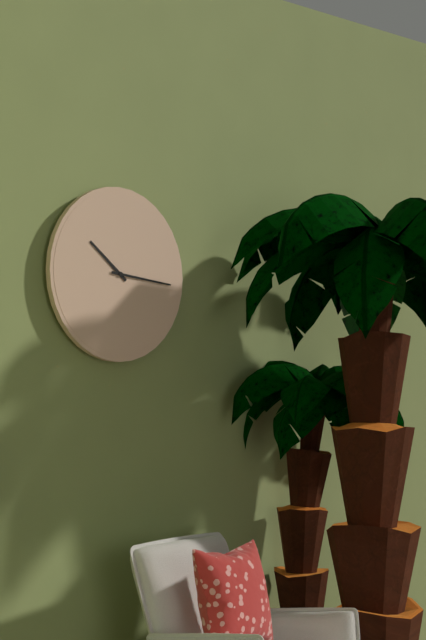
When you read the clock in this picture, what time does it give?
10:16
